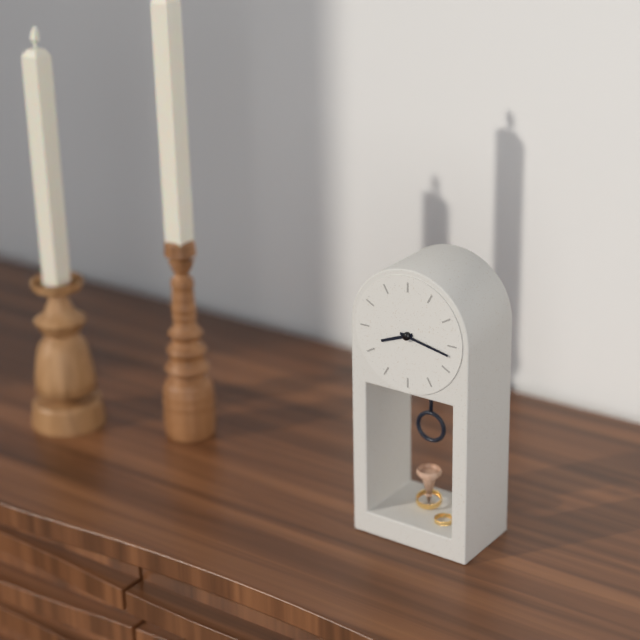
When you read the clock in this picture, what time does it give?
8:17
